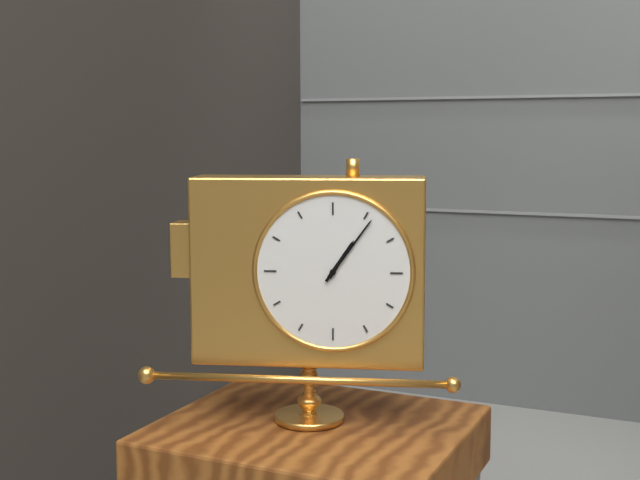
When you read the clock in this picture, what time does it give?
1:06
